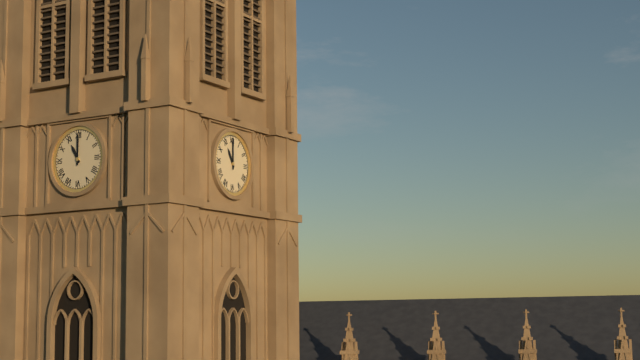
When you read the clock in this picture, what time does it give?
11:00
